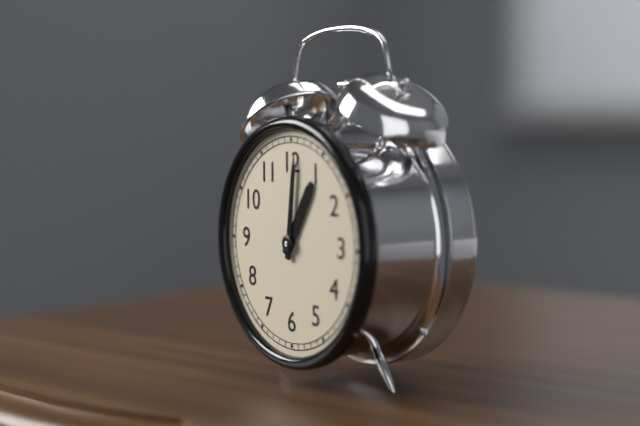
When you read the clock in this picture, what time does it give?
1:01
